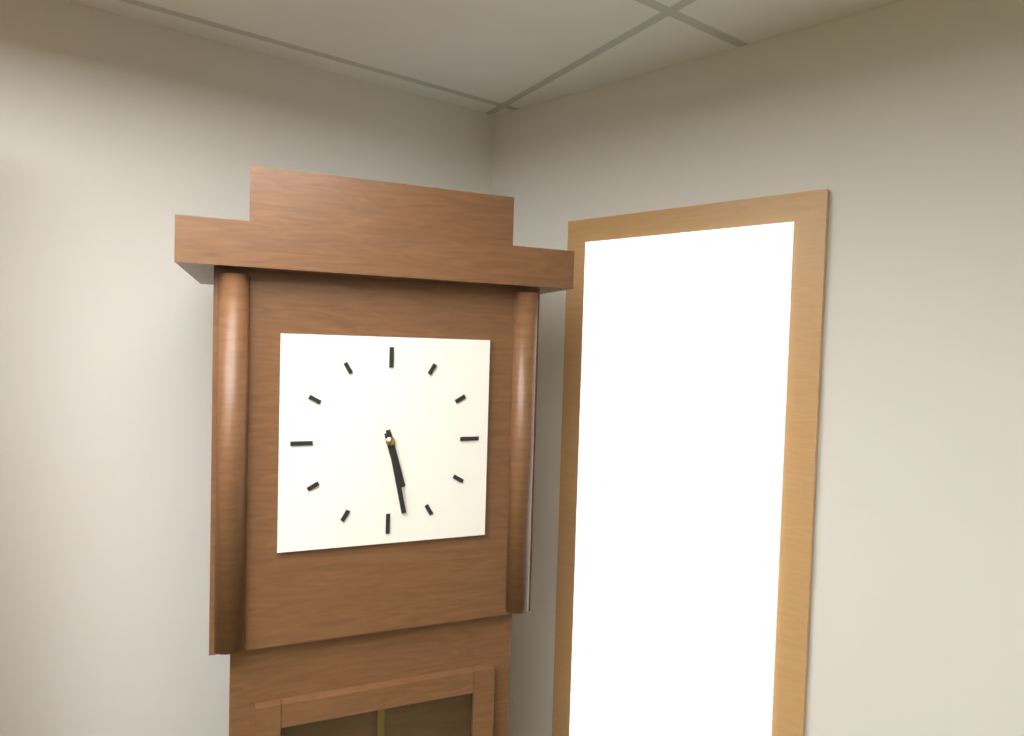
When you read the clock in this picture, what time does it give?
5:28
